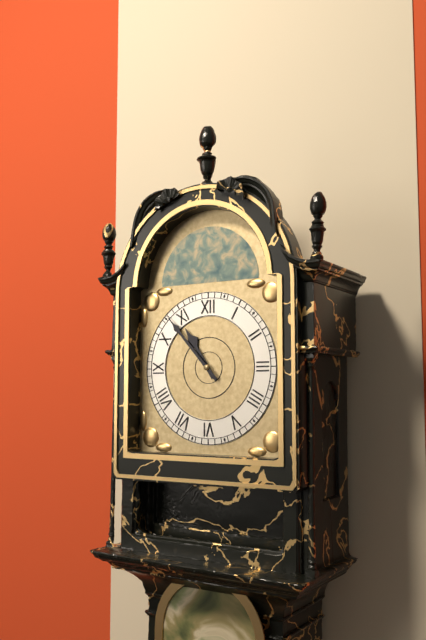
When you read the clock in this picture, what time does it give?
10:53
